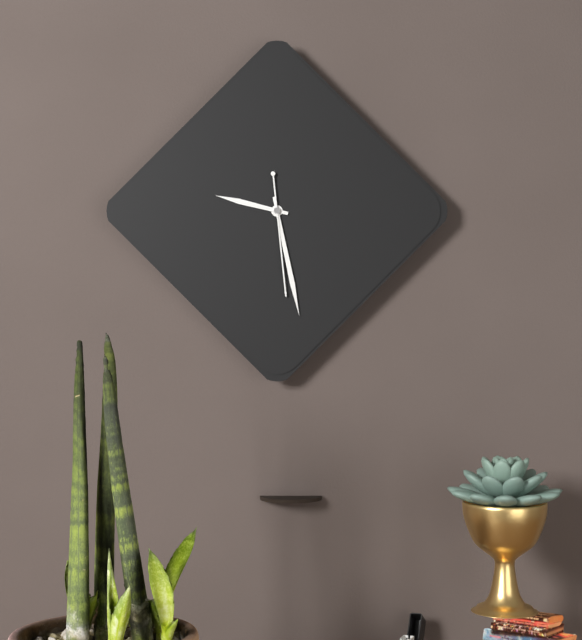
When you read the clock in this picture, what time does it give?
9:28:29
